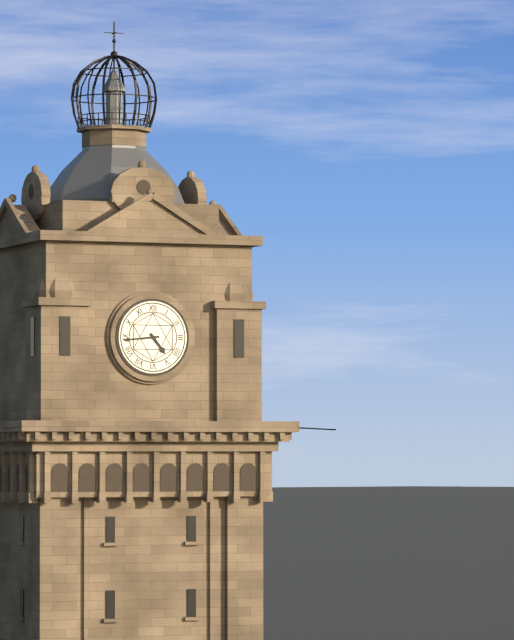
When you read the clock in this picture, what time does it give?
4:44
